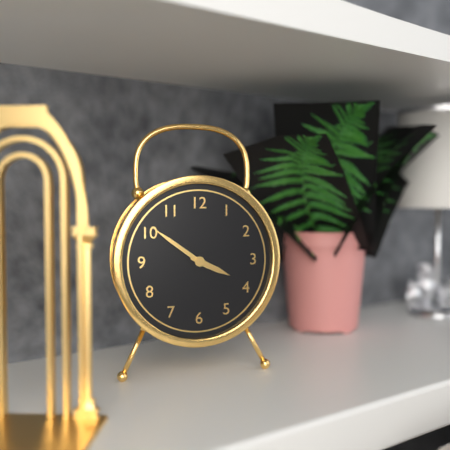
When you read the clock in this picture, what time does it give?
3:51
